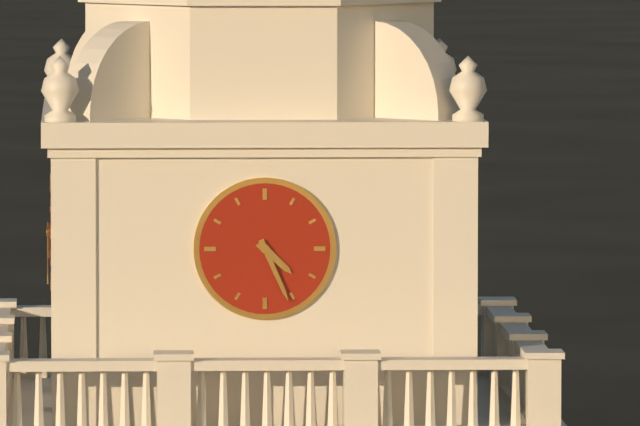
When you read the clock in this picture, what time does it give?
4:26
